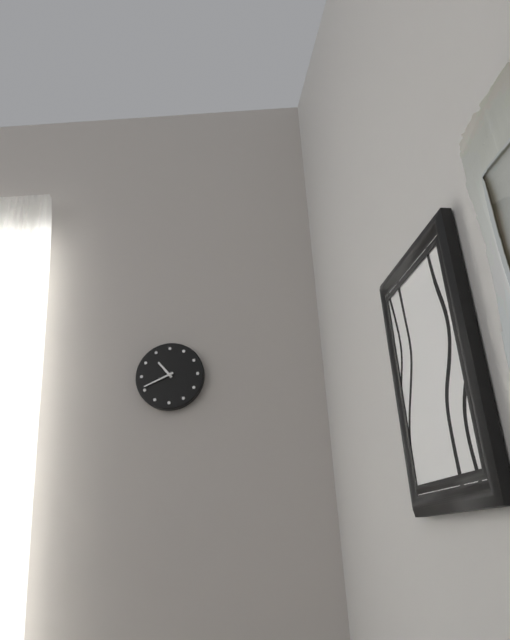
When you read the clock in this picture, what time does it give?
10:41
